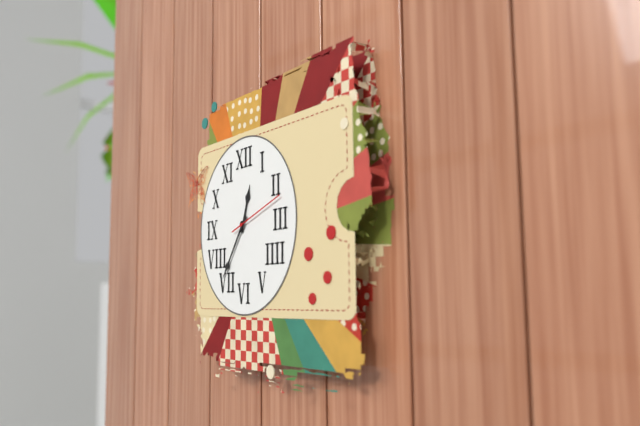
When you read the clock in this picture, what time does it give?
12:36:12
